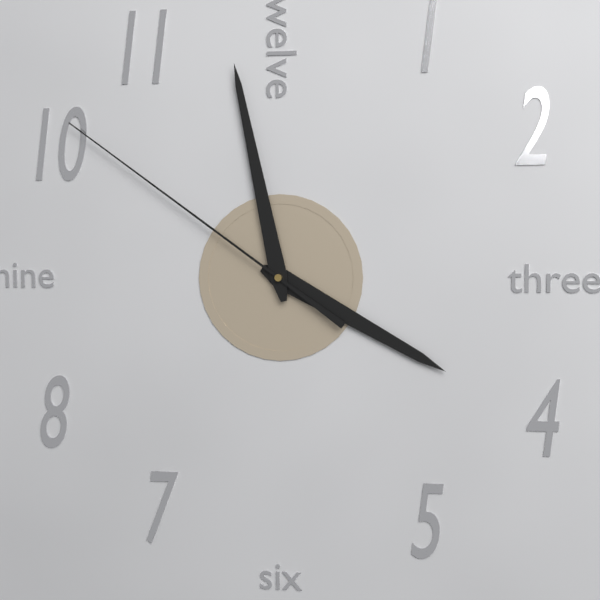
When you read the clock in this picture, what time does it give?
3:58:51
